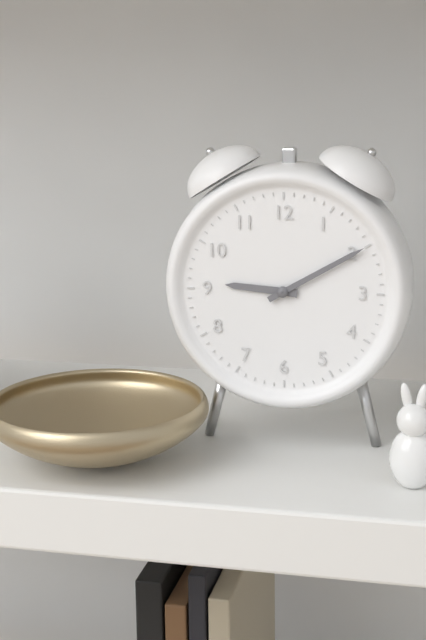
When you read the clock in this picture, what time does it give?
9:10
